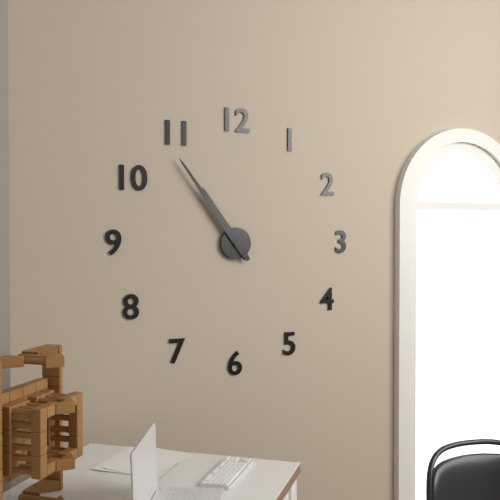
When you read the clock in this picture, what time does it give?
10:54
